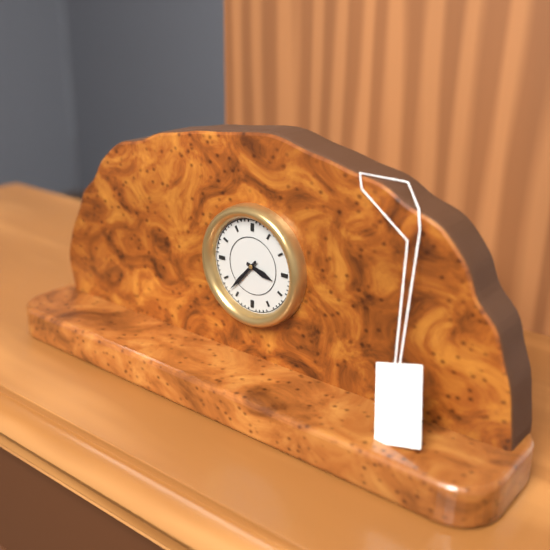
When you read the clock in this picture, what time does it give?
3:37
